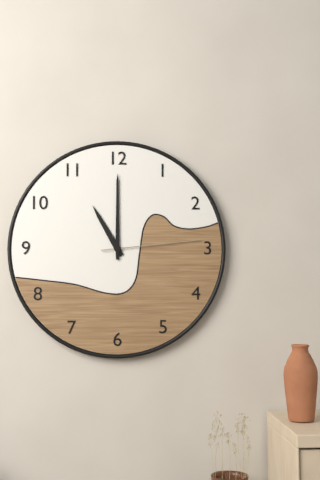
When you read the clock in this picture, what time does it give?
11:00:14
